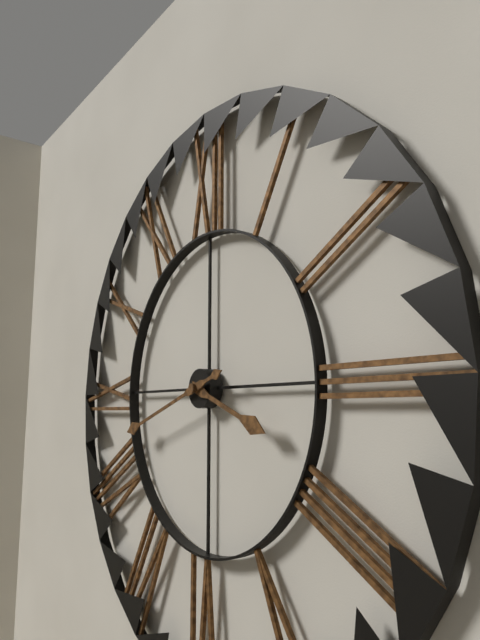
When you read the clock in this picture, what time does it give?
3:42
